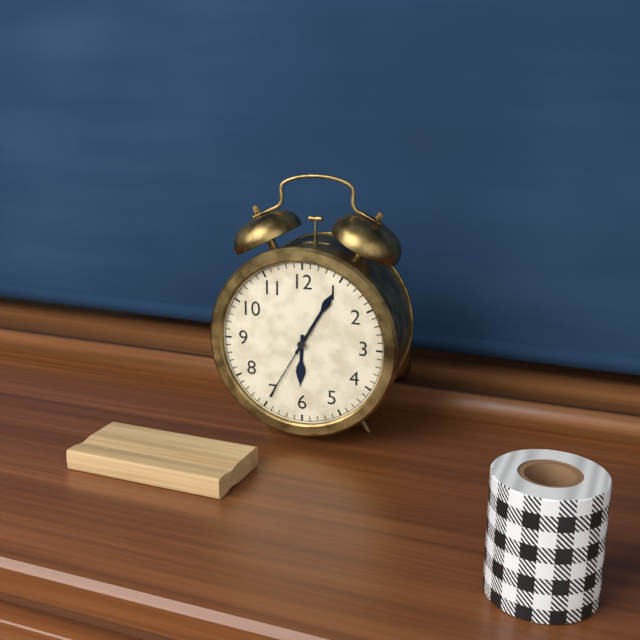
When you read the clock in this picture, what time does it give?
6:05:35
